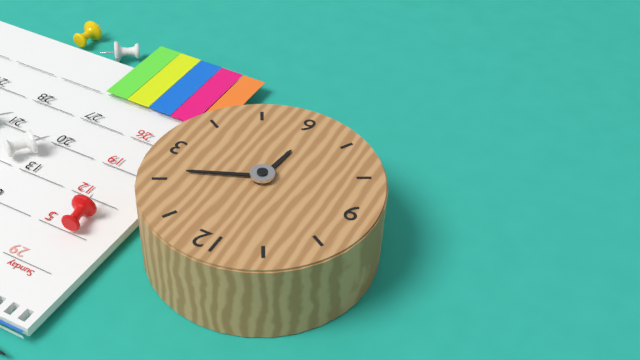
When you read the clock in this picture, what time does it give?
6:11
